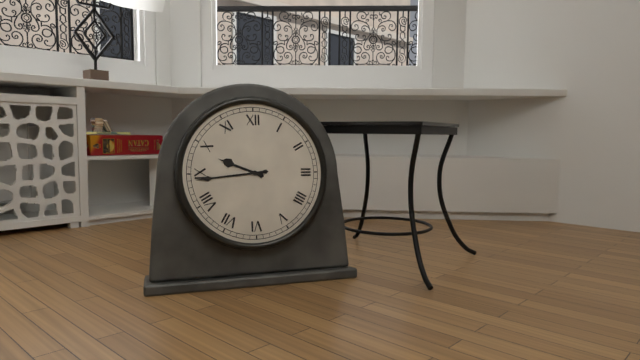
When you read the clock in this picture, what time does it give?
9:44
